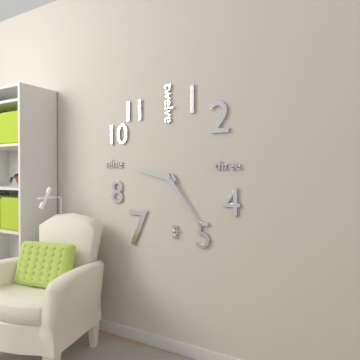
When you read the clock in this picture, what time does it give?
9:24
